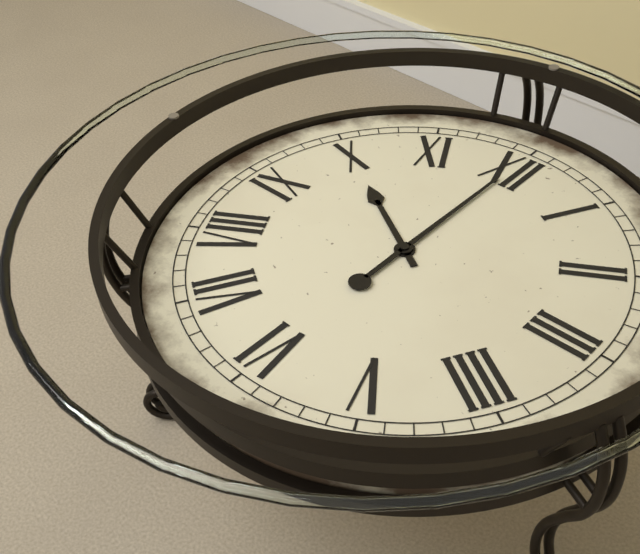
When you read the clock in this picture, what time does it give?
10:00
